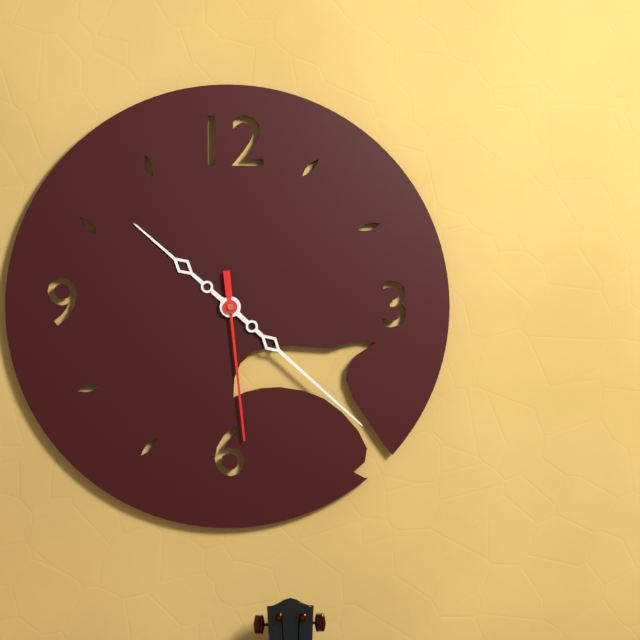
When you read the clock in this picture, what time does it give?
10:22:29
